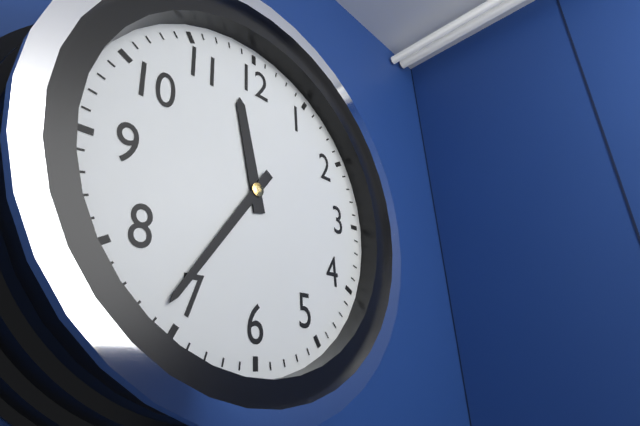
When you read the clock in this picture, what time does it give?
11:36
